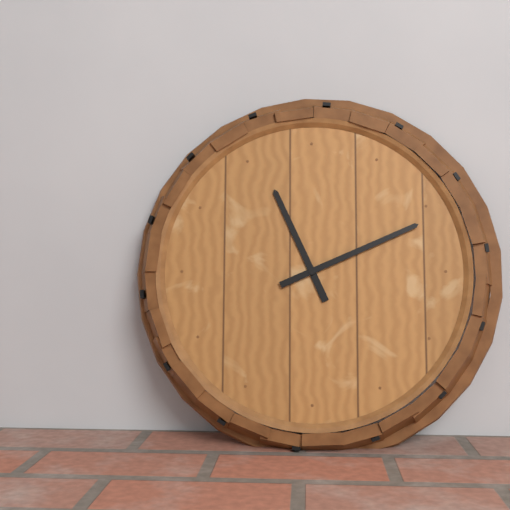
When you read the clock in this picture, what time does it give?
11:11
